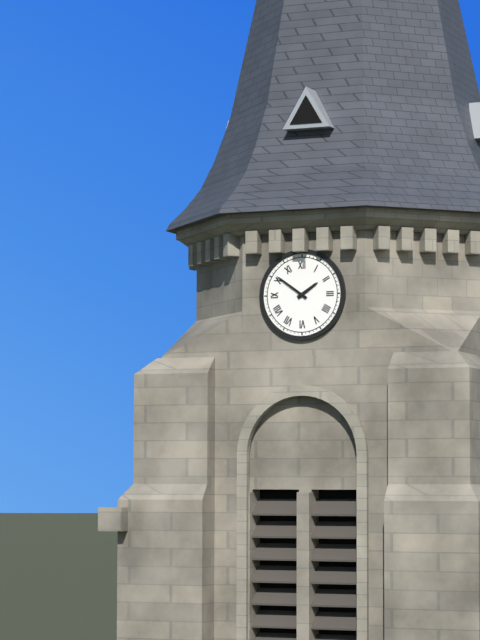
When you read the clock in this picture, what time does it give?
1:51
